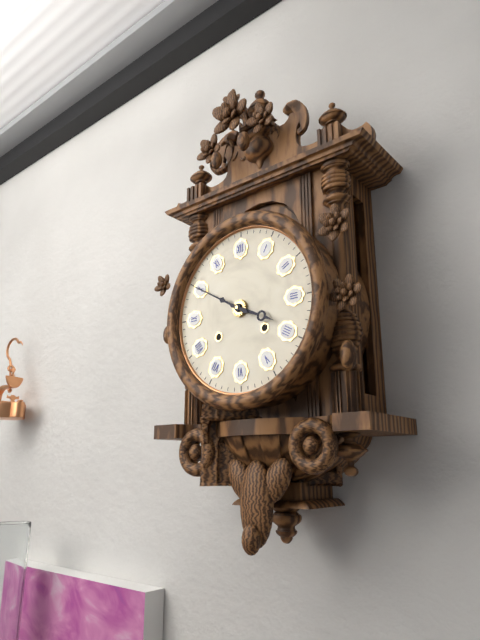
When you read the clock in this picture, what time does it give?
3:50
